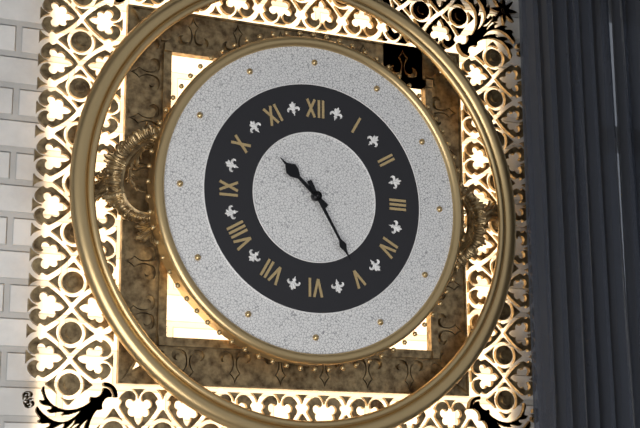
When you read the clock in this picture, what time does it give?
10:25
